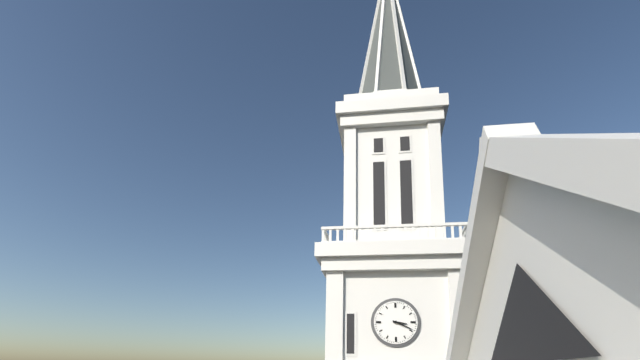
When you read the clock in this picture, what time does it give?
3:19
